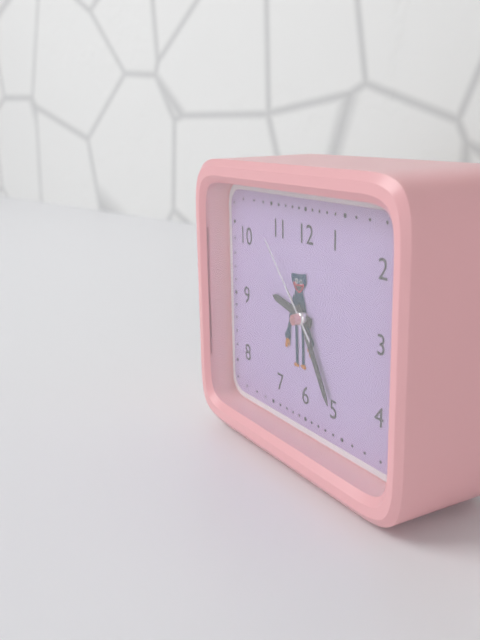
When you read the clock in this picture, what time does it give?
9:25:53
